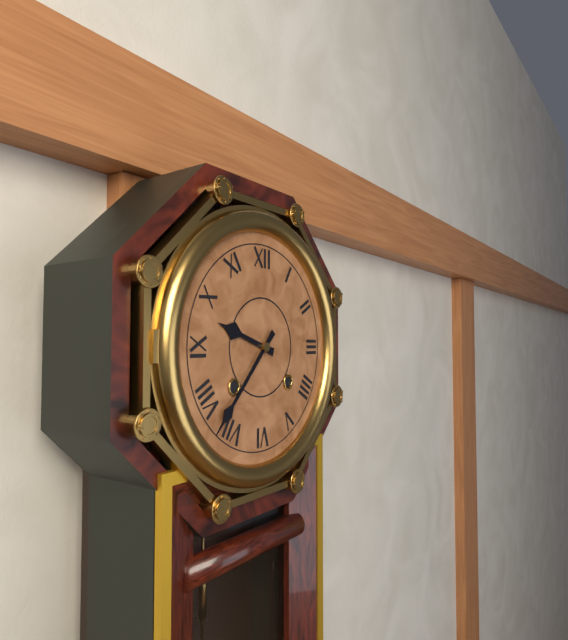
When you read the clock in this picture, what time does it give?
9:37
